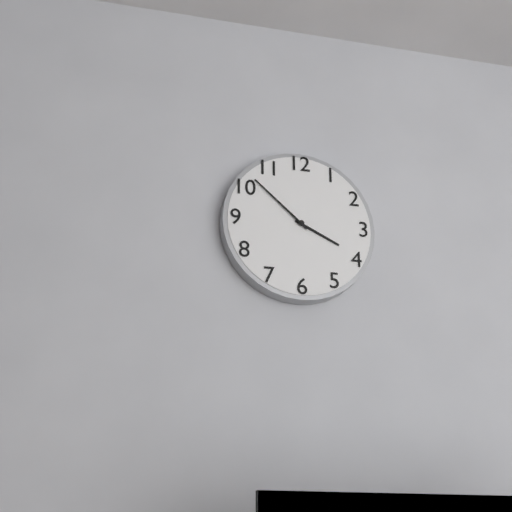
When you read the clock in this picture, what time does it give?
3:52
